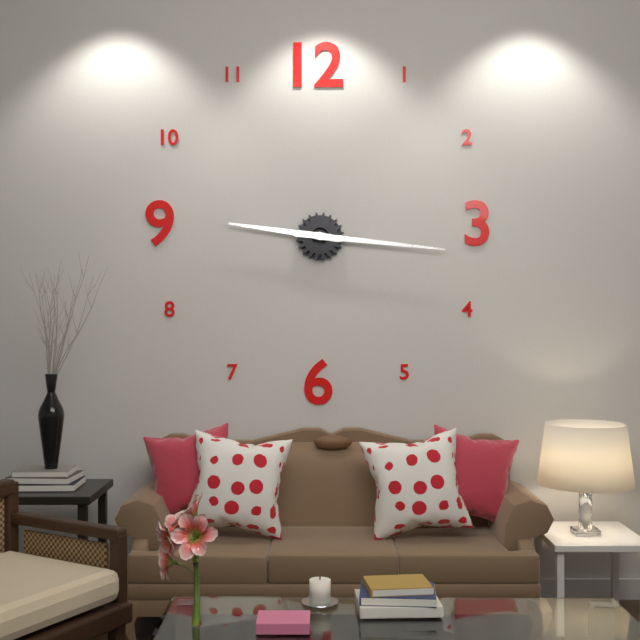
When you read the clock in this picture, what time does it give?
9:16
